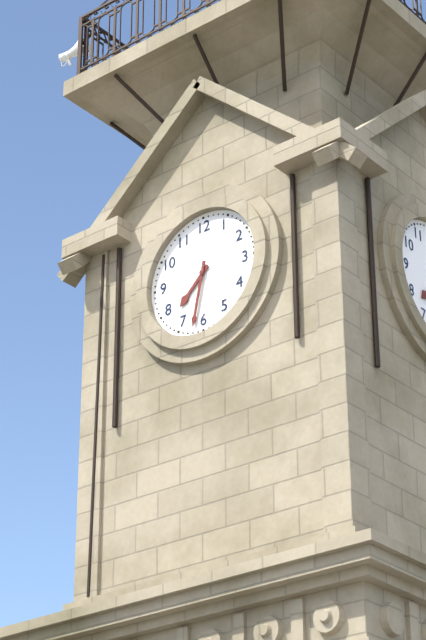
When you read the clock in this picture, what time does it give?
7:32
